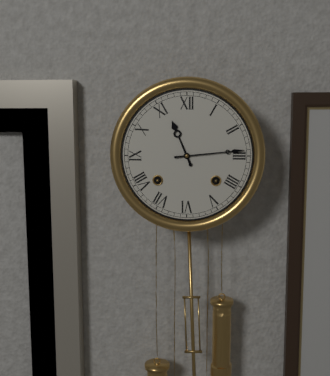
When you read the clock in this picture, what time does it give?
11:14
